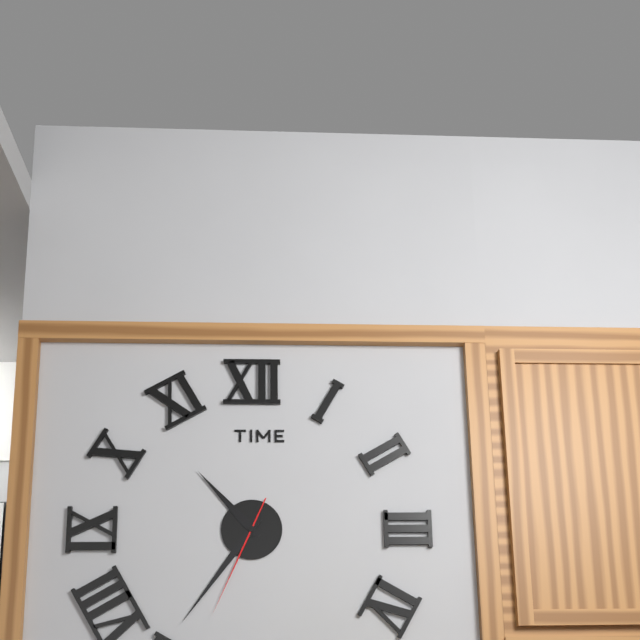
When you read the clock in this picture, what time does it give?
10:36:34
